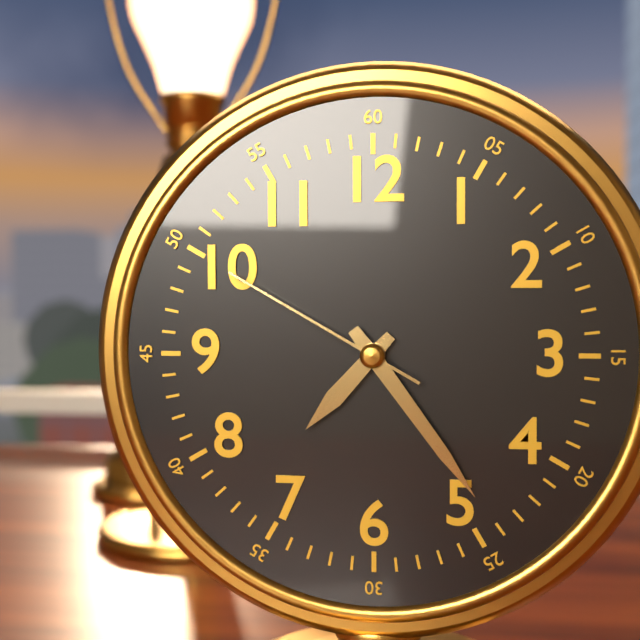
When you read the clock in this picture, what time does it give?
7:24:50
